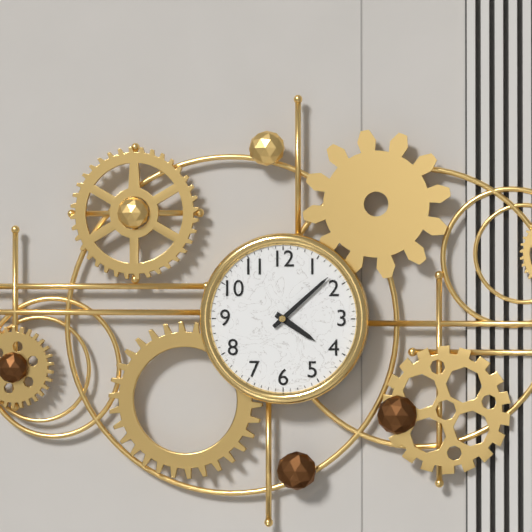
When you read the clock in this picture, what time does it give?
4:08
